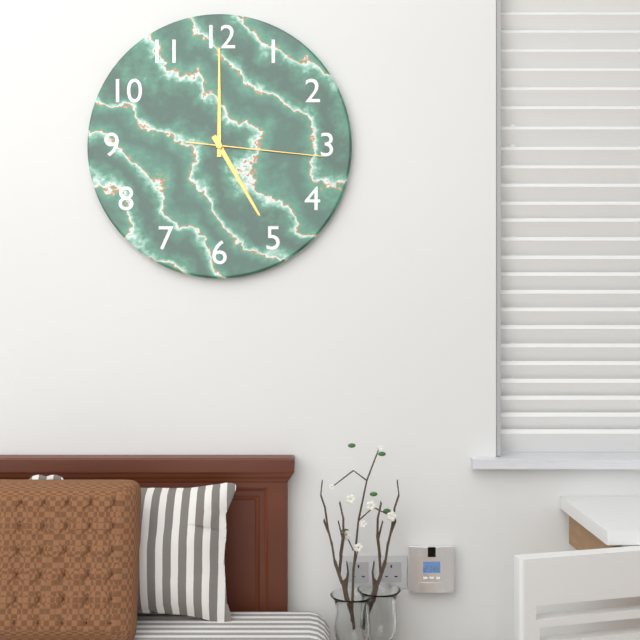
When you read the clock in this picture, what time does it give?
5:00:16
